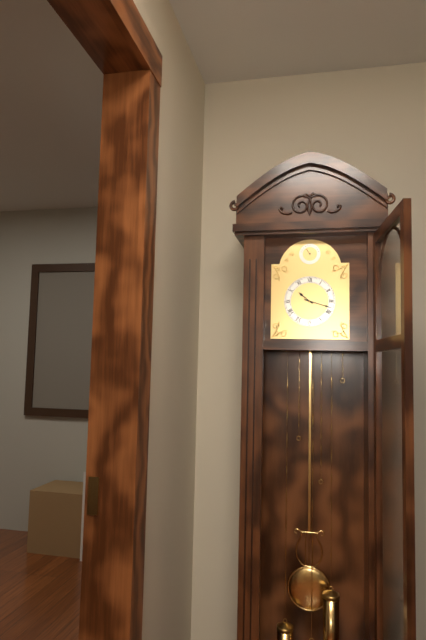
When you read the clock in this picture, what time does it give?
10:18
